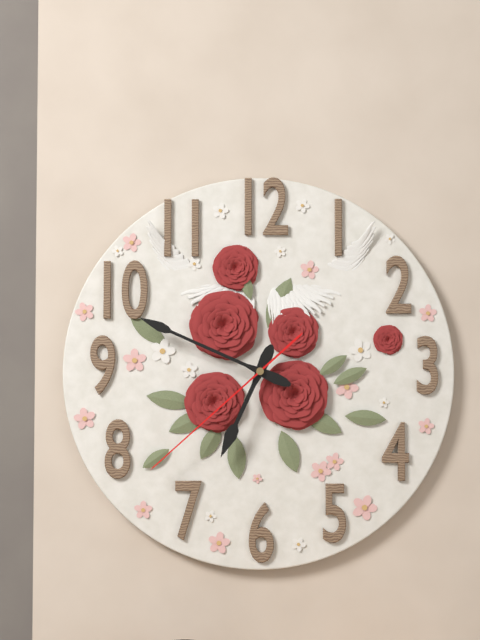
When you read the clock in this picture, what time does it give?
6:49:38
